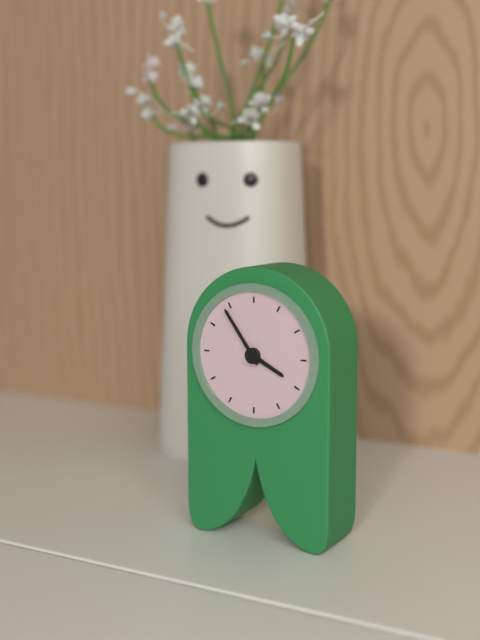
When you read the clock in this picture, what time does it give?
3:54
